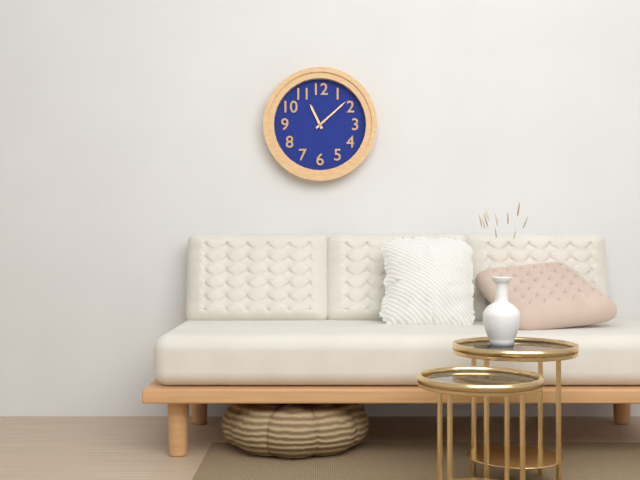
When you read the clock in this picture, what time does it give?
11:08
